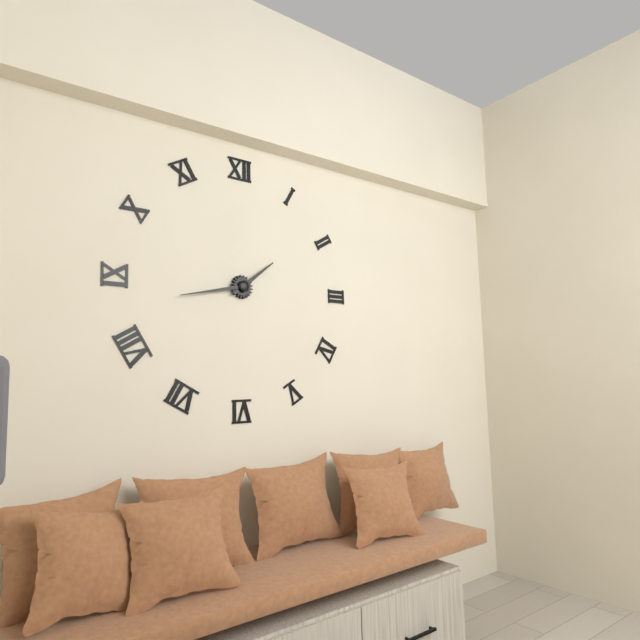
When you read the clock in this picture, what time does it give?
1:43
